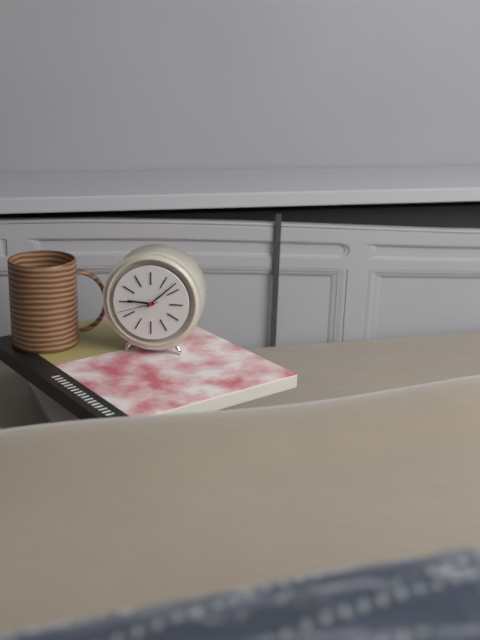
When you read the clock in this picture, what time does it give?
9:08
